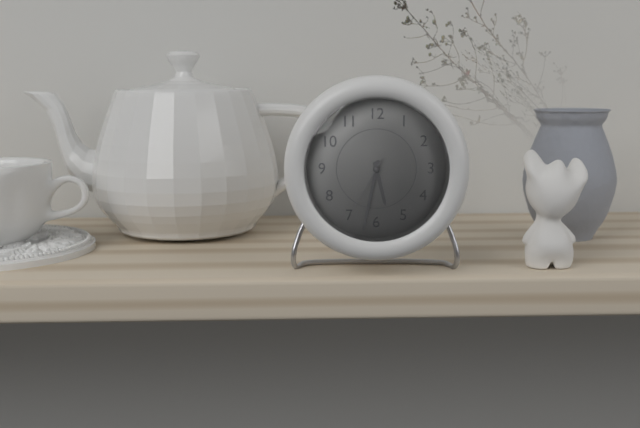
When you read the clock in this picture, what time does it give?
5:32:35
